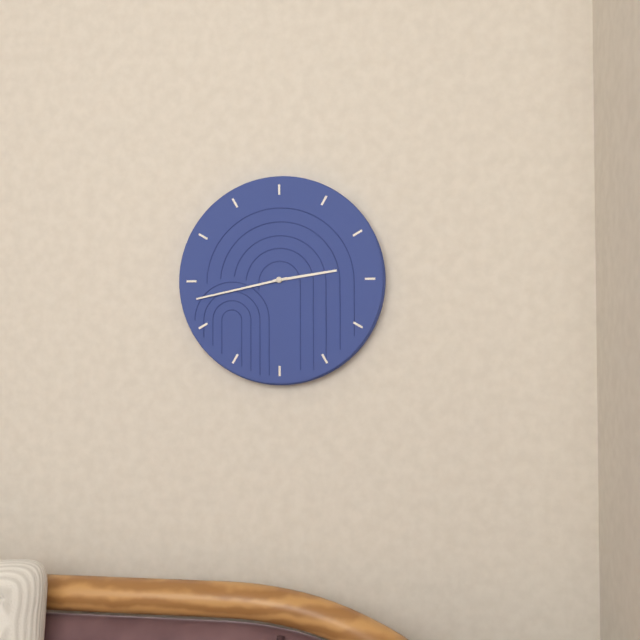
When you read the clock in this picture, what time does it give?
2:43
